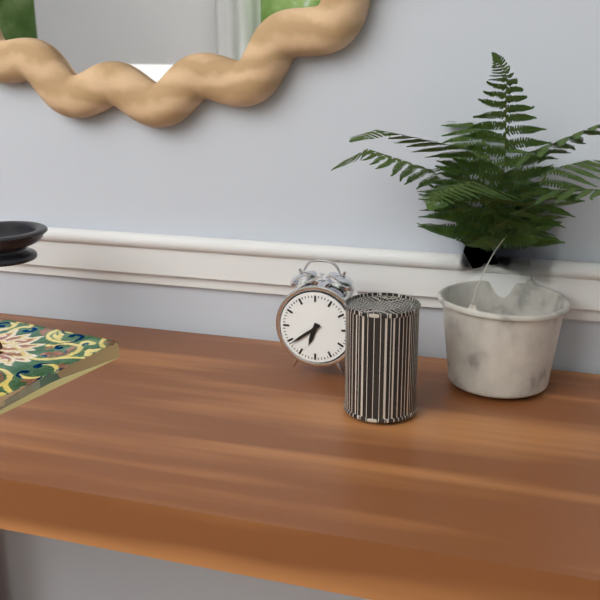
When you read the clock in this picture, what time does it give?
6:39
